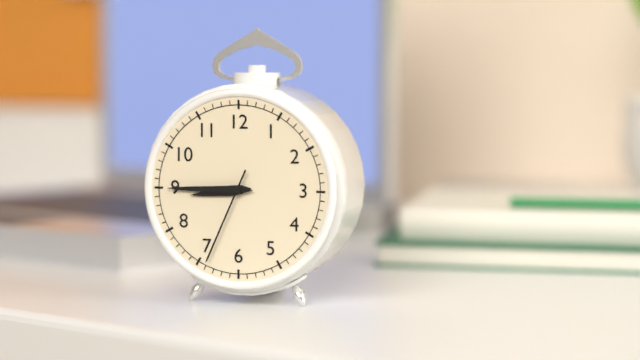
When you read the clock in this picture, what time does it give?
8:45:34
